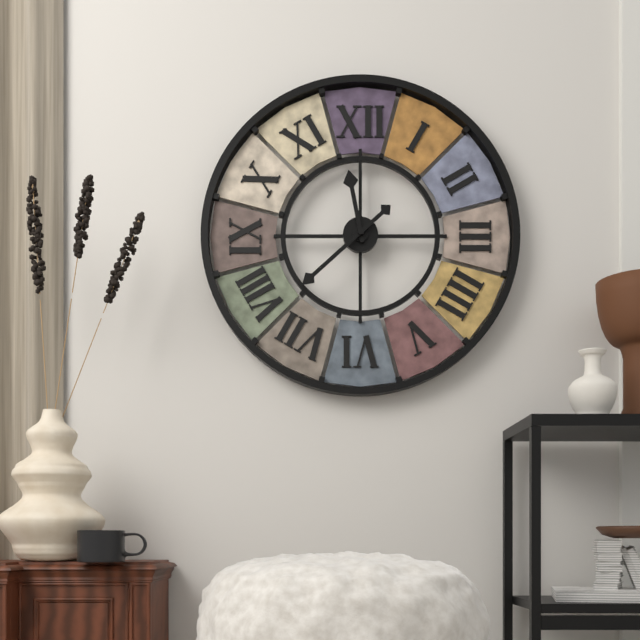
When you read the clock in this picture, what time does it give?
11:38
